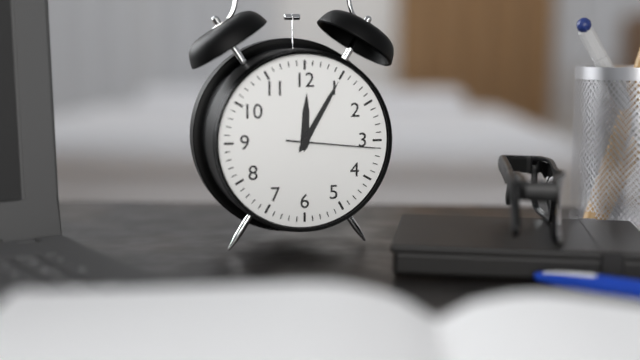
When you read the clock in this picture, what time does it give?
12:05:16
